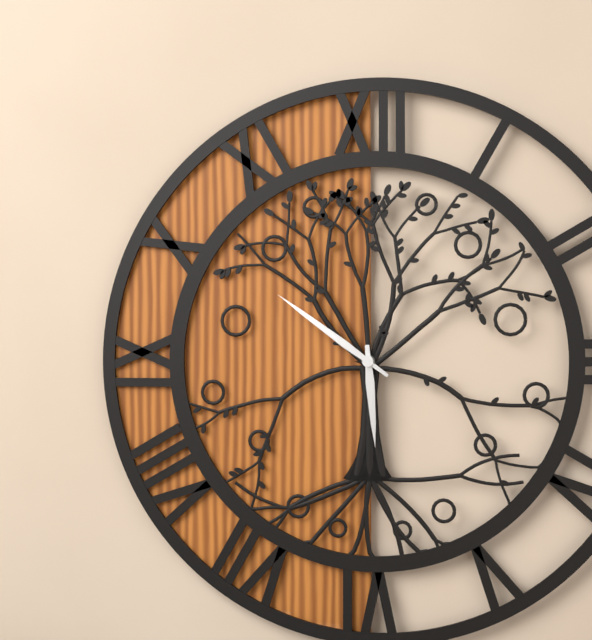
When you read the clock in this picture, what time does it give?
5:51
